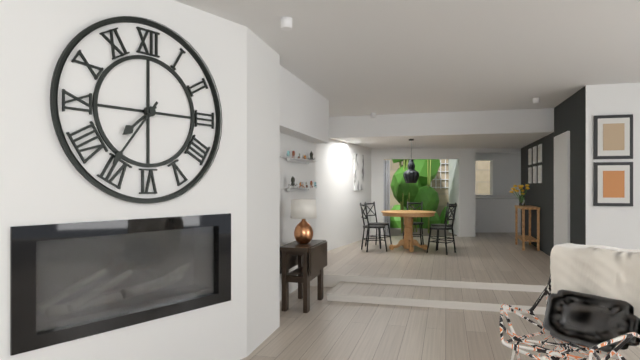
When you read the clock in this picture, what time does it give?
7:36
